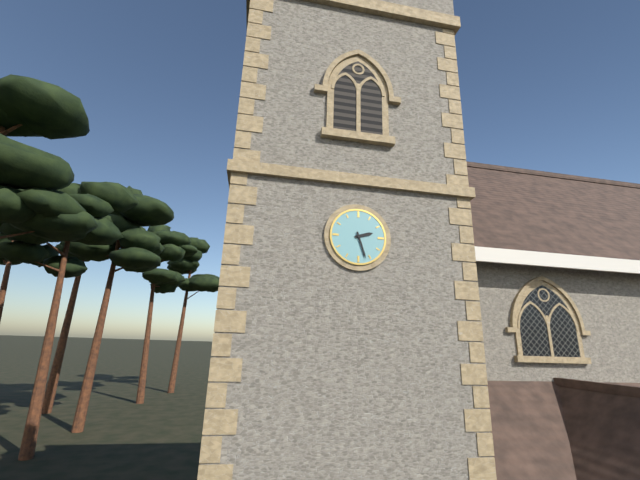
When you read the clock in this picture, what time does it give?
2:27
